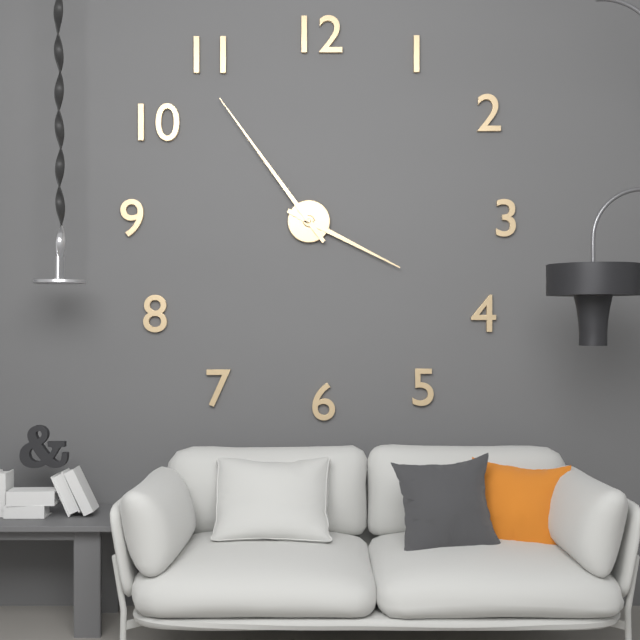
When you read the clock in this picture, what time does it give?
3:54
